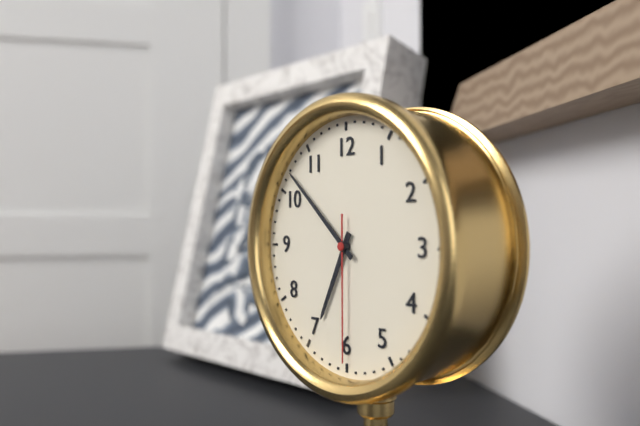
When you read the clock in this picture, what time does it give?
6:52:30
